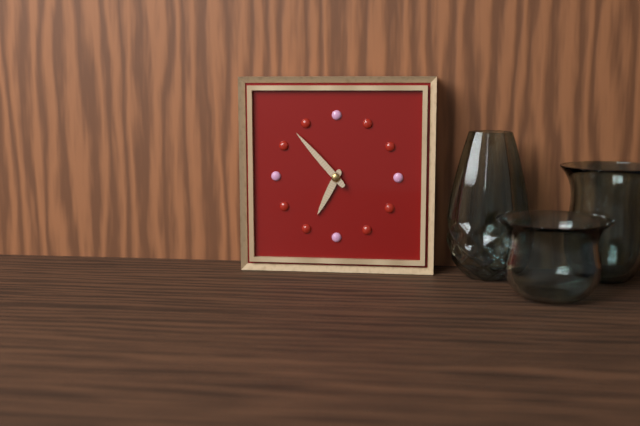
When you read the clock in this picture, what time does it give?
6:53
